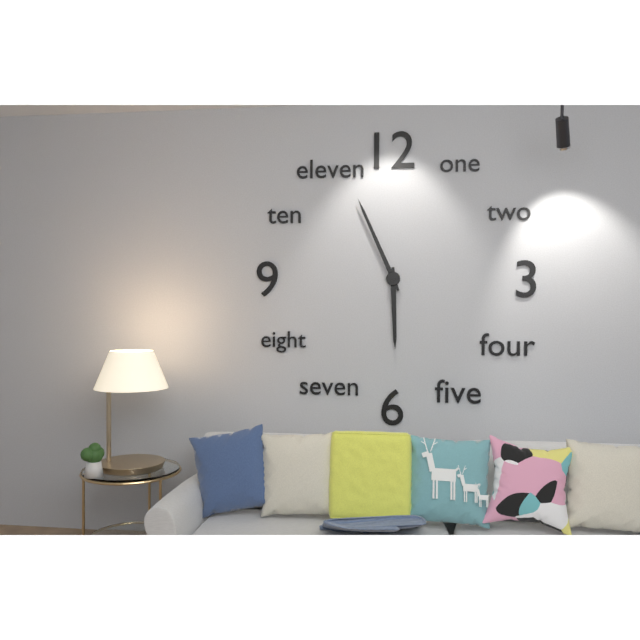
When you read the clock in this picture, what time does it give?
5:56
